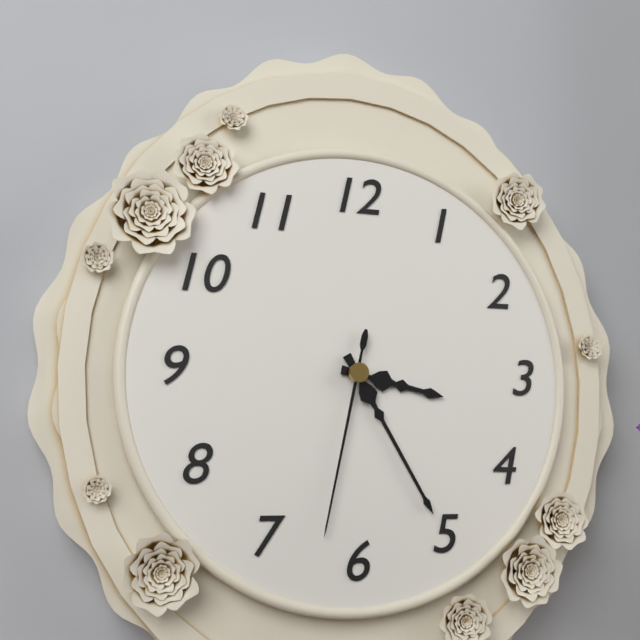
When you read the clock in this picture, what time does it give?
3:25:32
